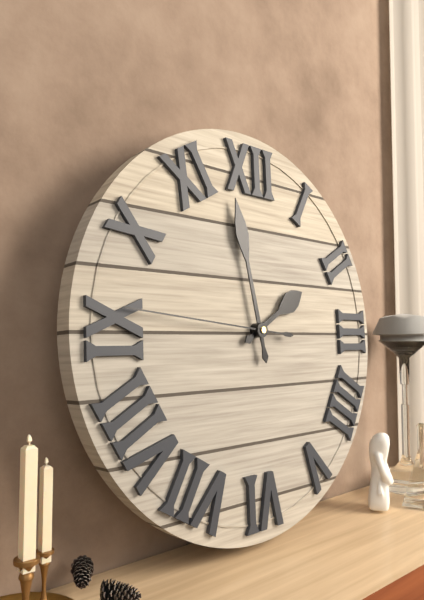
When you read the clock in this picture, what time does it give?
1:58:46
